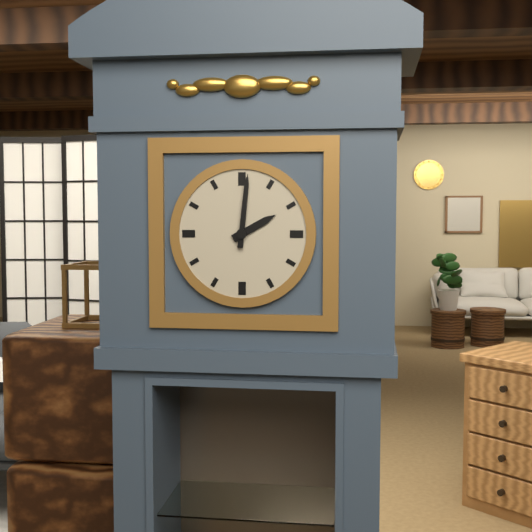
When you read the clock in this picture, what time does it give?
2:01
